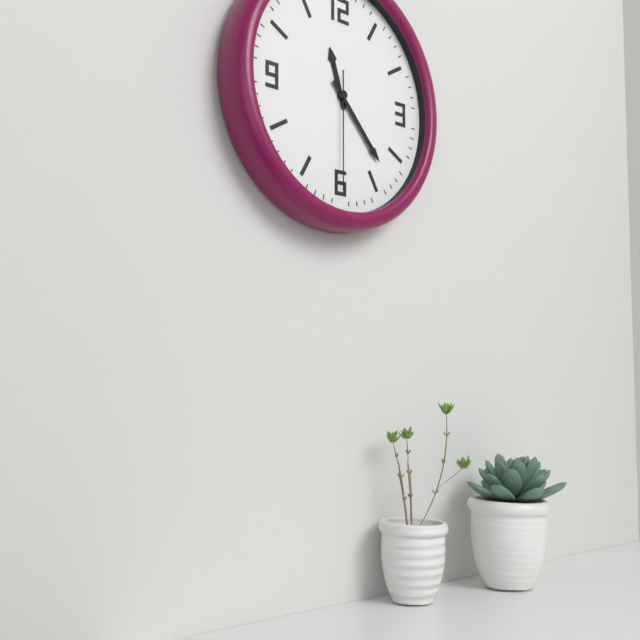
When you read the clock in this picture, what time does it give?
11:23:30
